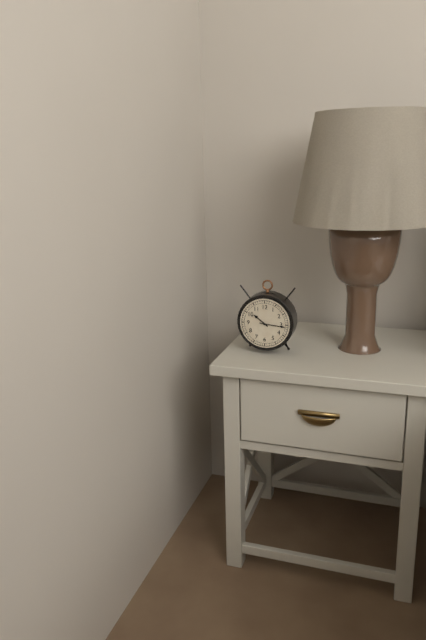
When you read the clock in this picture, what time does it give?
10:16
